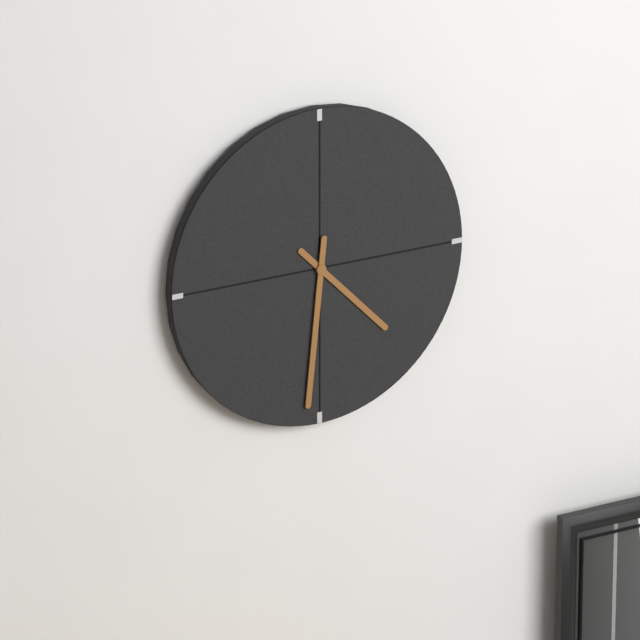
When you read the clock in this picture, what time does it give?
4:31
